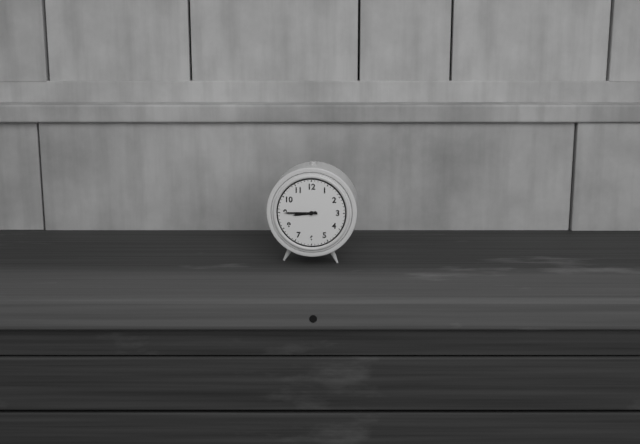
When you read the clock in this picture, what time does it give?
8:45
